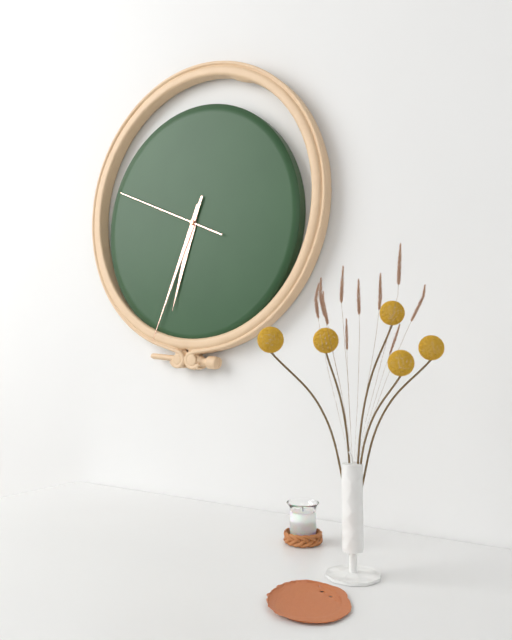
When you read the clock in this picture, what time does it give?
6:34:49
